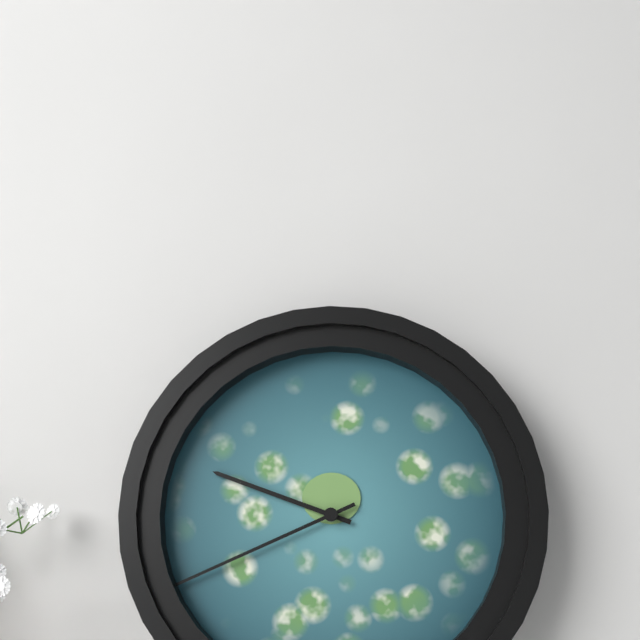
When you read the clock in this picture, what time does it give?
9:41
